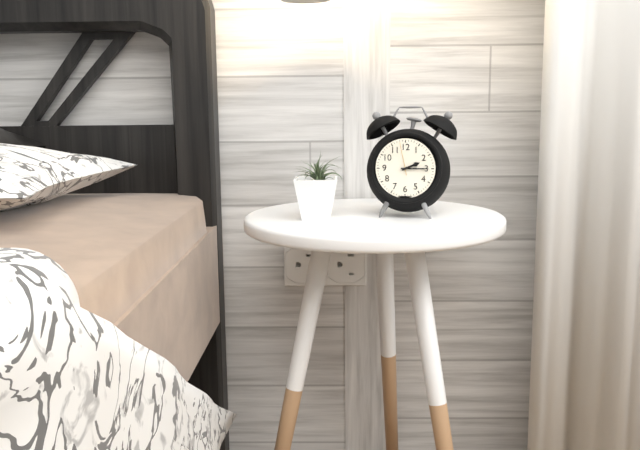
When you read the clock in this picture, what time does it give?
2:15
